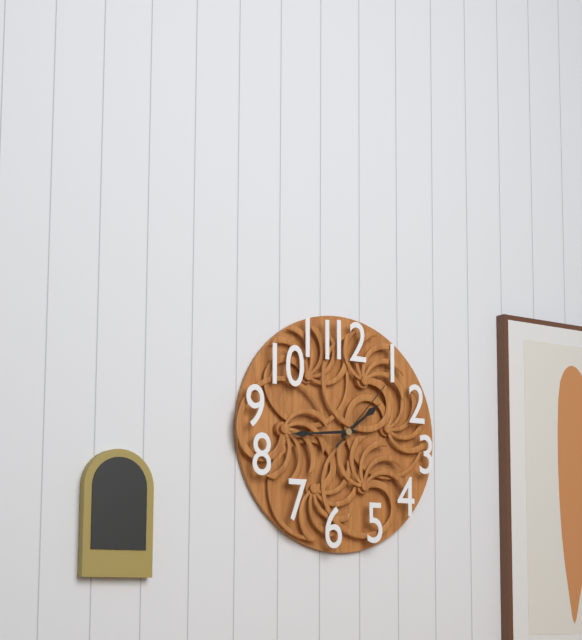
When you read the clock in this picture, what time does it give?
1:44:07
